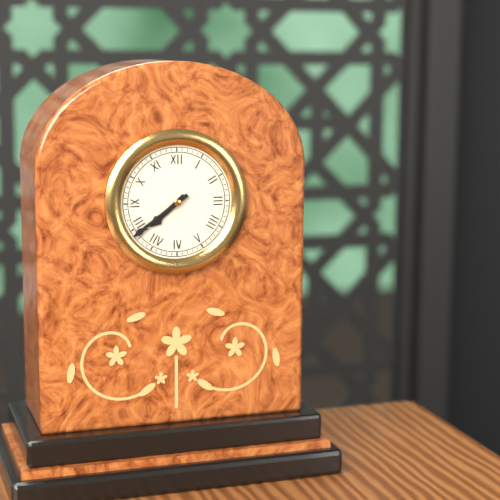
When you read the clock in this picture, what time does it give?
7:39
